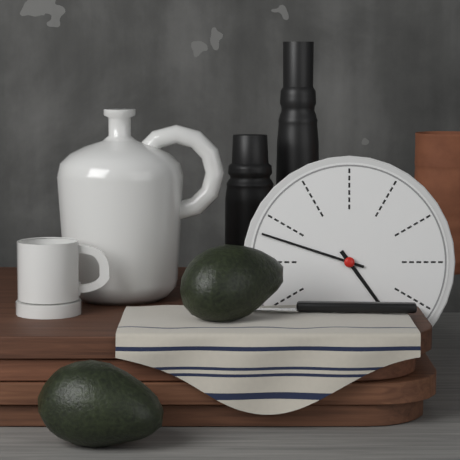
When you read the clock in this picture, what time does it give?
4:48
